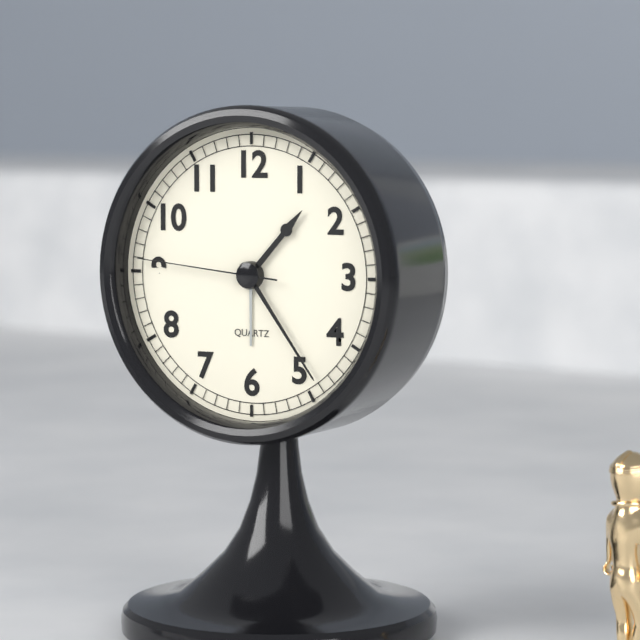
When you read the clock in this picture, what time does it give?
1:24:46
